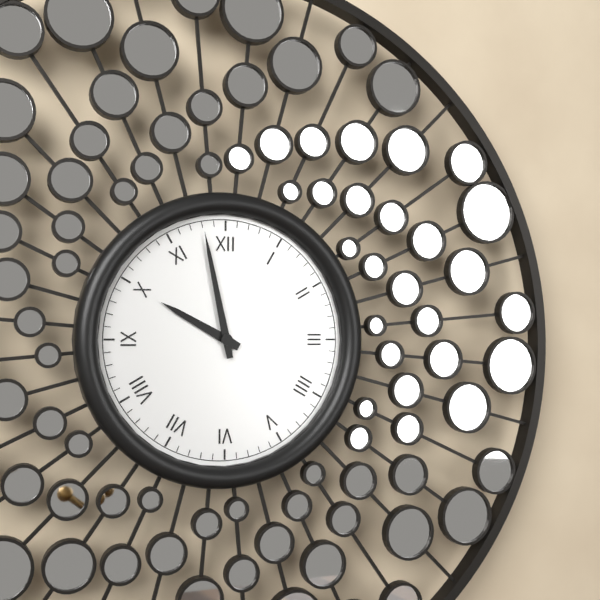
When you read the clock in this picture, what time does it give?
9:58
